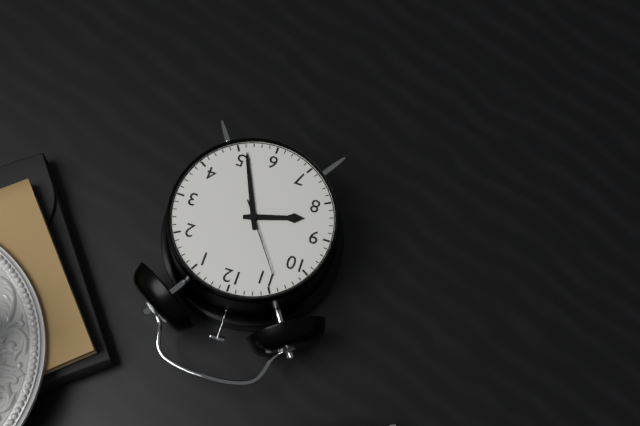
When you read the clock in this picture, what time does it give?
8:26:54
